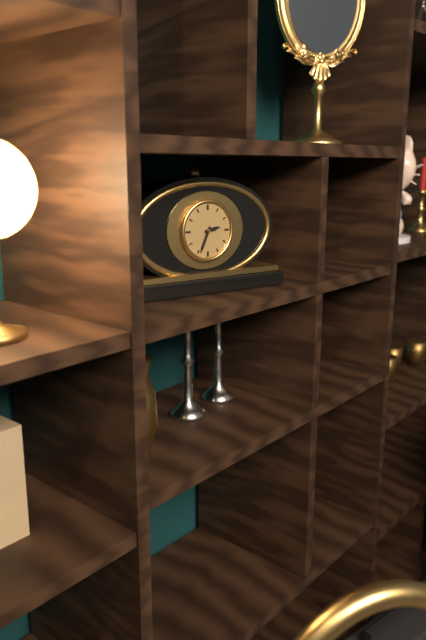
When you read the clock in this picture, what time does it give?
2:34
